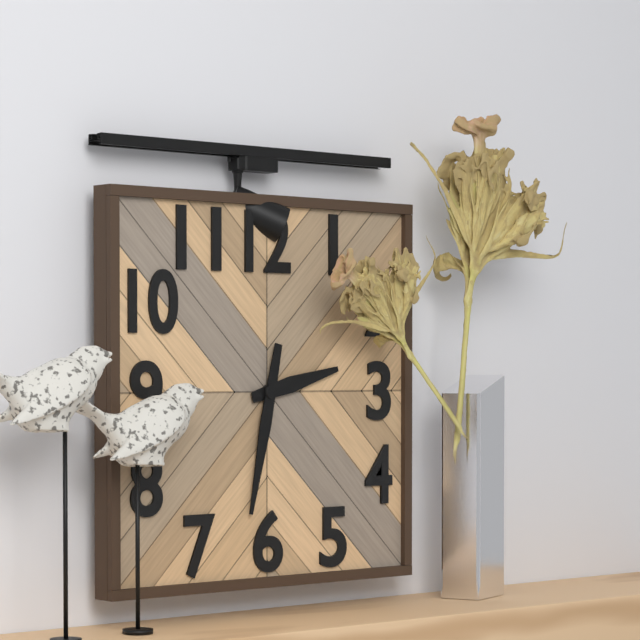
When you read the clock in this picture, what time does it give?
2:32
